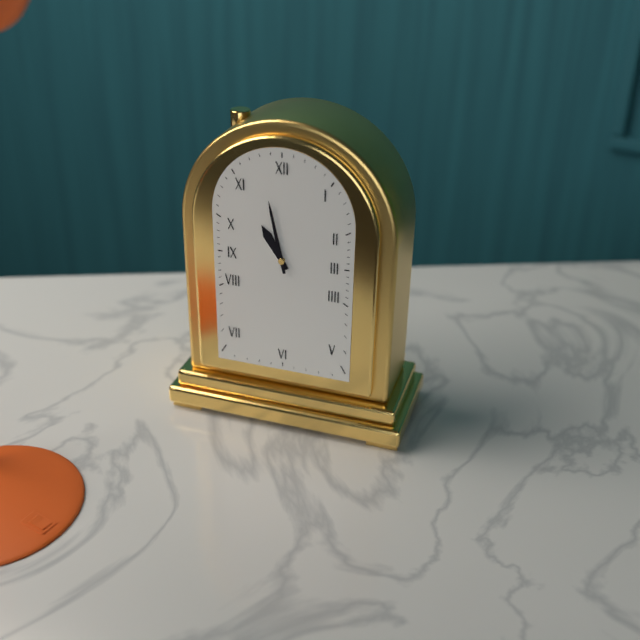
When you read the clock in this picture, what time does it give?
10:58
